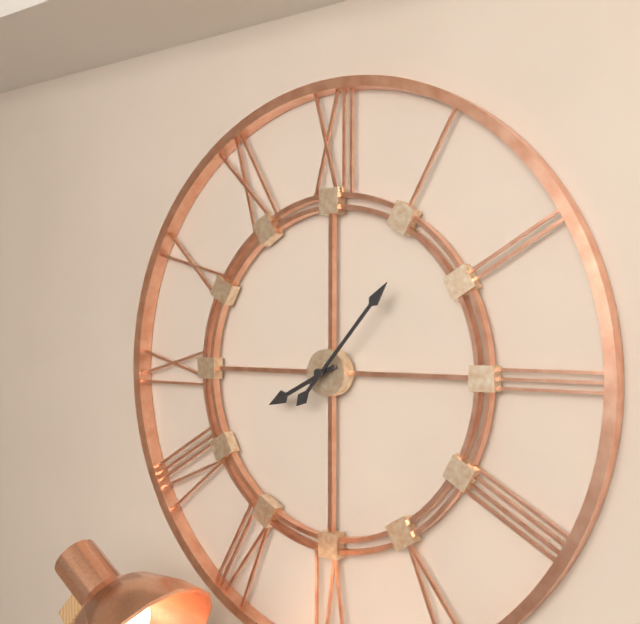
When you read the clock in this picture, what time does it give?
8:07
